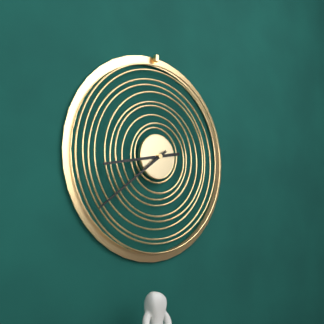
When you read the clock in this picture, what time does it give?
8:39
